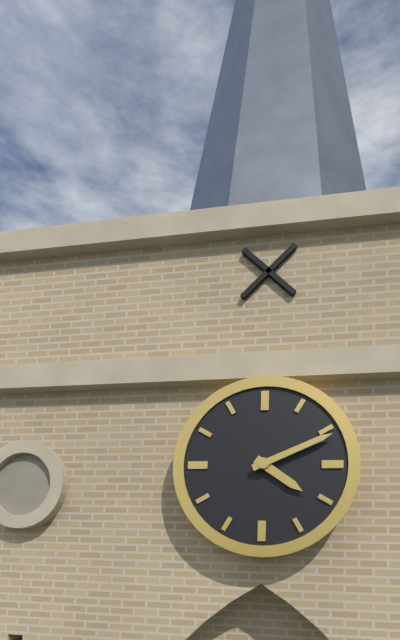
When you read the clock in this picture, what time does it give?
4:11
